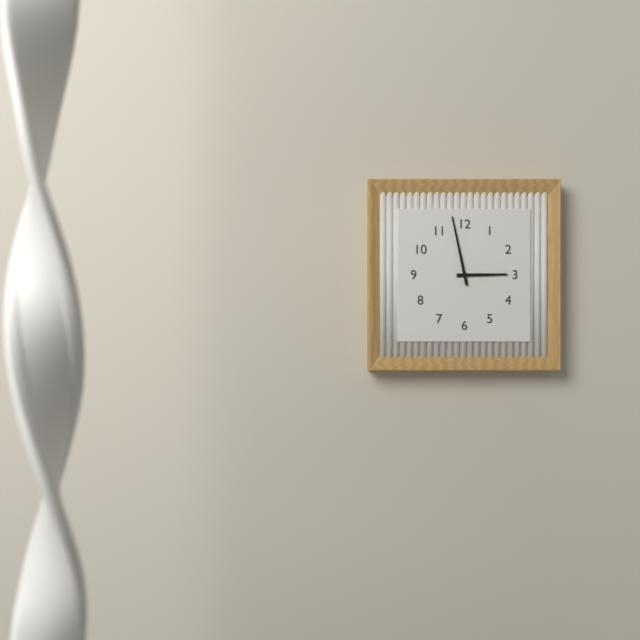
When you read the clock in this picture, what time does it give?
2:58
